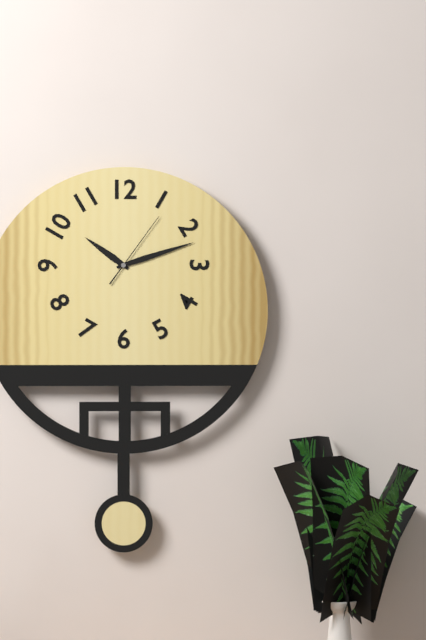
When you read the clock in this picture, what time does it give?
10:12:06
